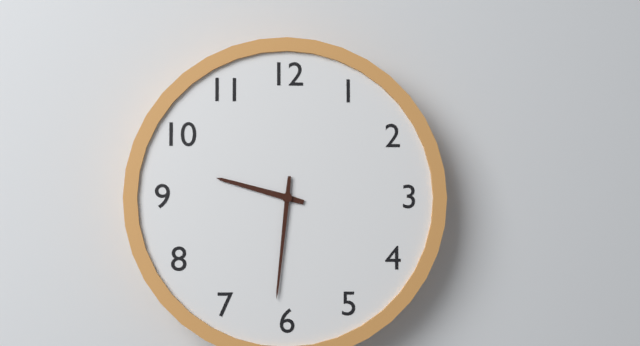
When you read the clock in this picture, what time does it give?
9:31
